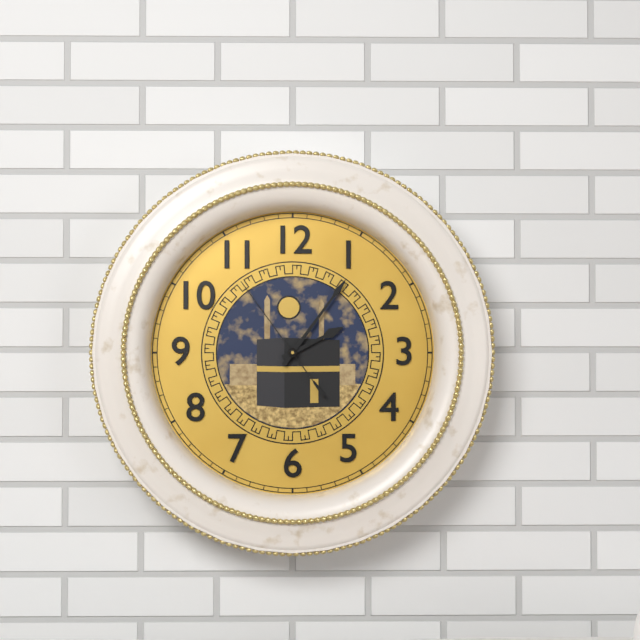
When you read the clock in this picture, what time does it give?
2:06:54
